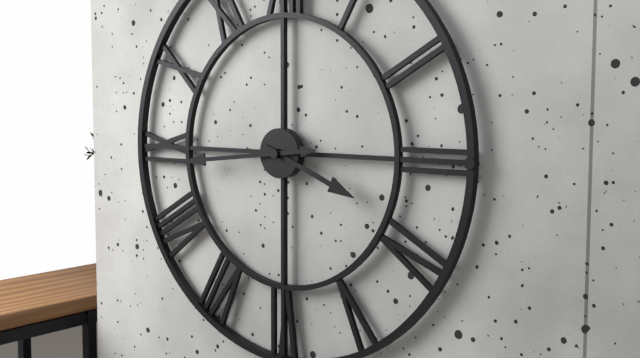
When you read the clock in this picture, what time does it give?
3:44
